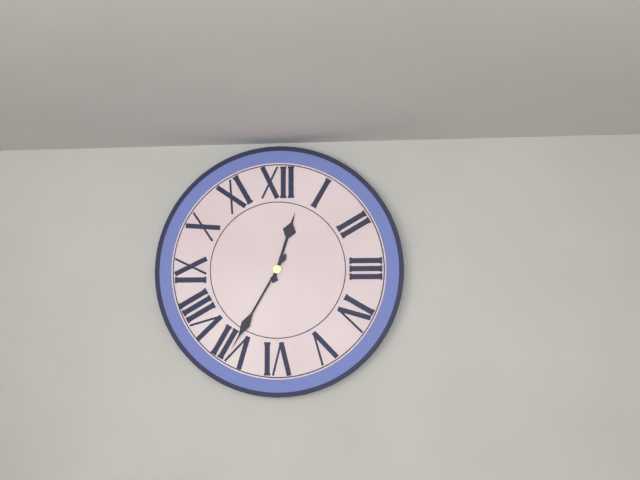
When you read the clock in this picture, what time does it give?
12:35
